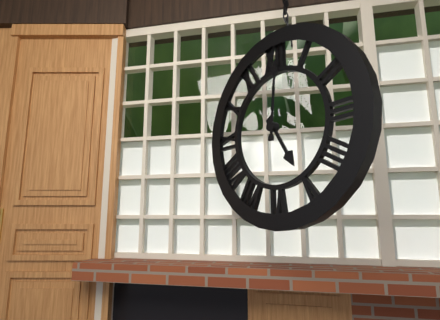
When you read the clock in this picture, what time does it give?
5:01
